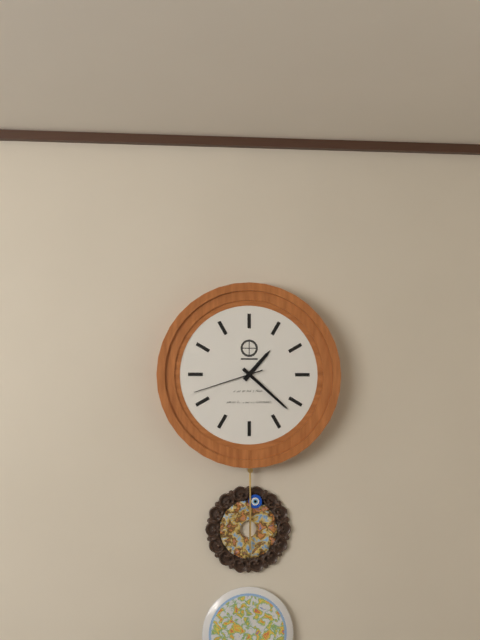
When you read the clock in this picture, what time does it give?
1:22:42
